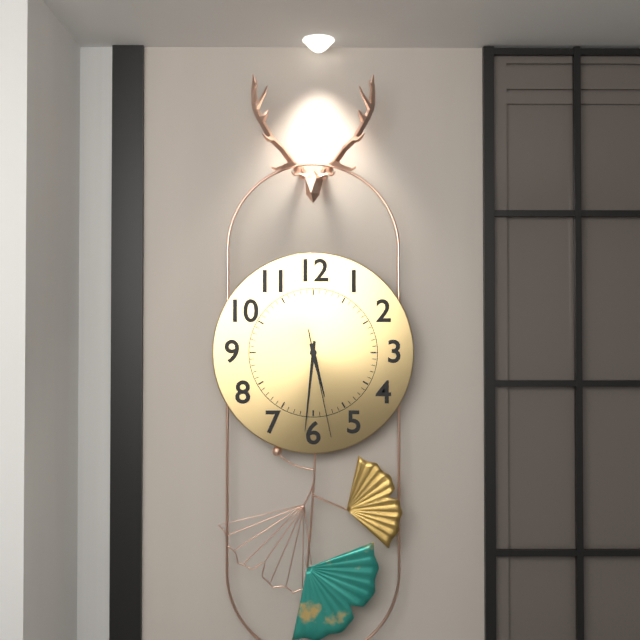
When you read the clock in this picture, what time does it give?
5:31:28
